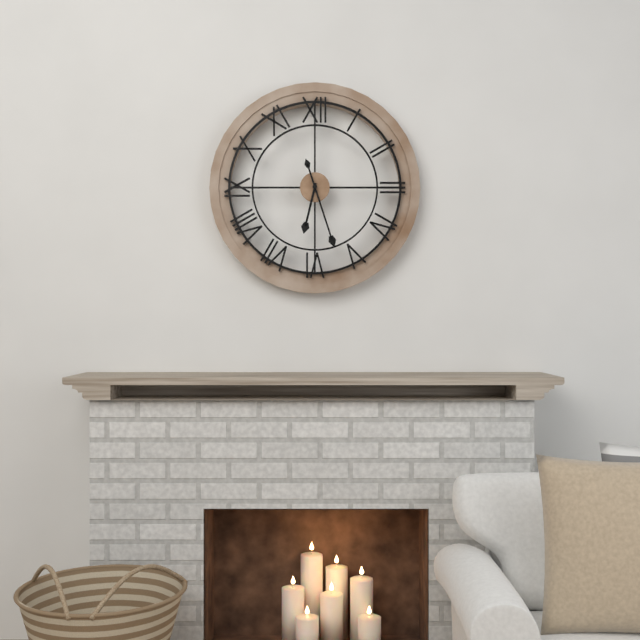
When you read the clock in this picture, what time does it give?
6:27
